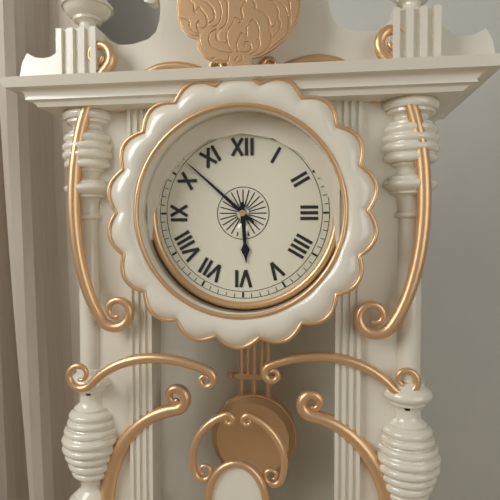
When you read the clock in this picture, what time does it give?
5:52
